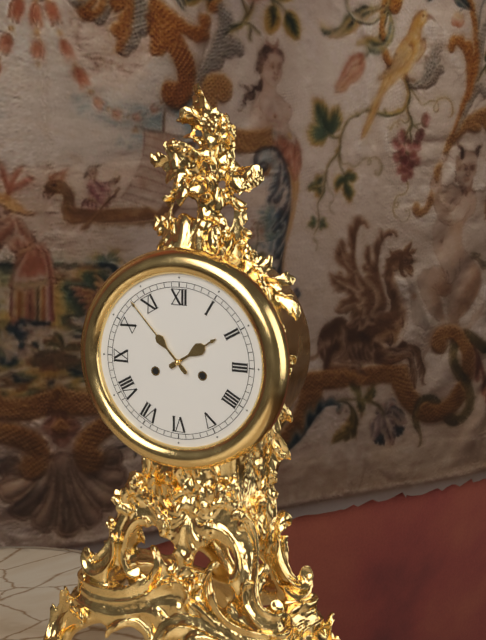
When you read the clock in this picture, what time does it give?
1:53
